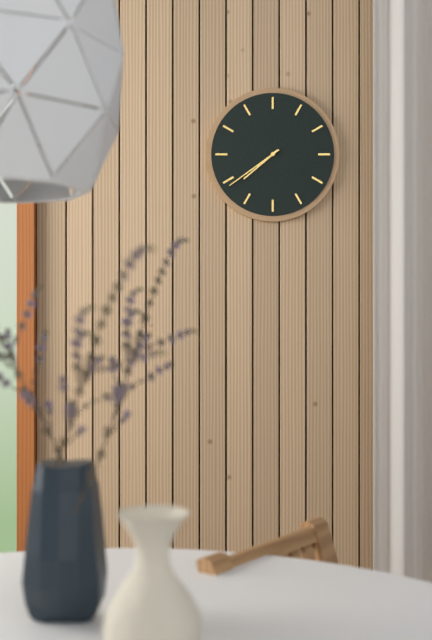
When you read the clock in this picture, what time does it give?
7:39
